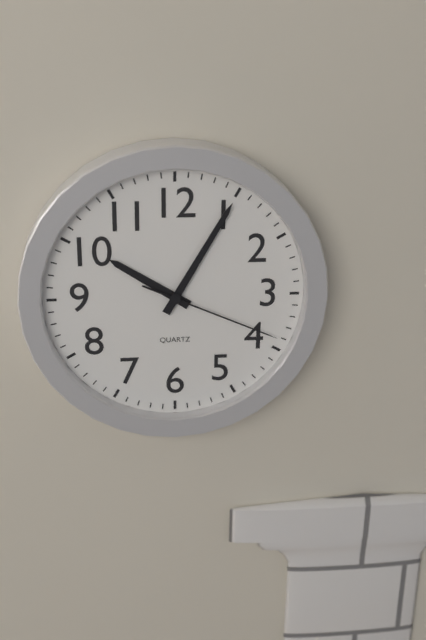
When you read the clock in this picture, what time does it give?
10:05:19
